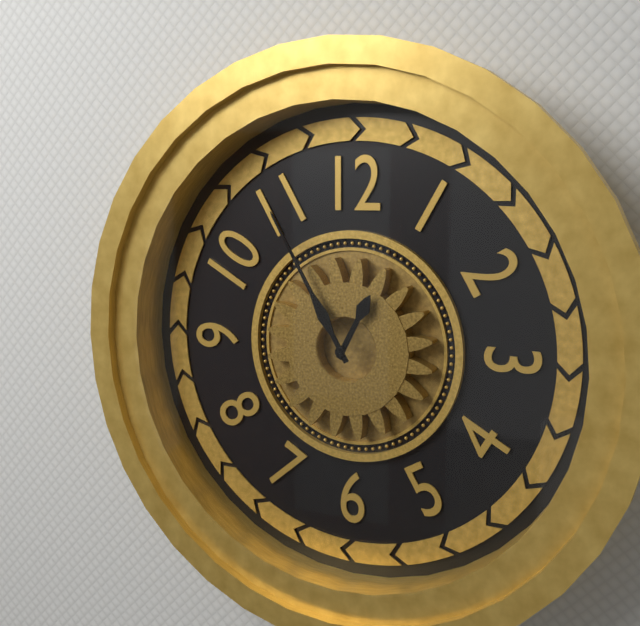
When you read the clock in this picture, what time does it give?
12:55
